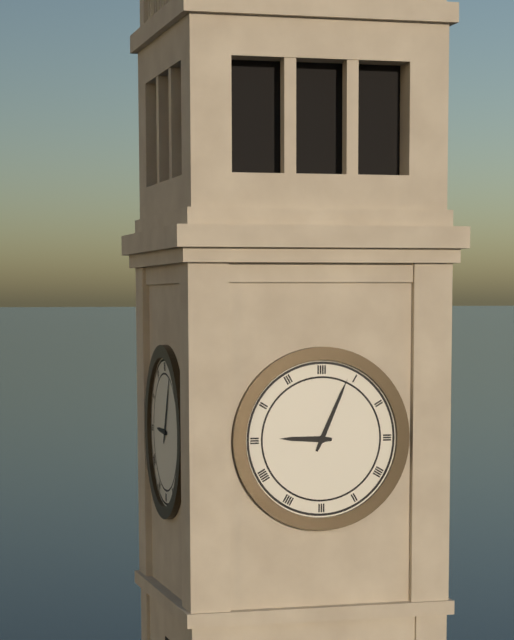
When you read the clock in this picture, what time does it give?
9:04
